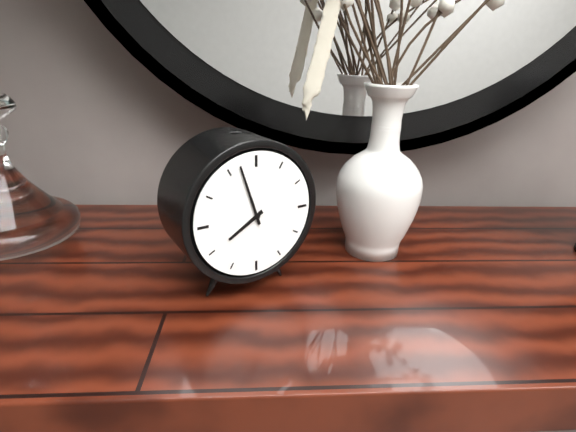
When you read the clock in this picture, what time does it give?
7:57
